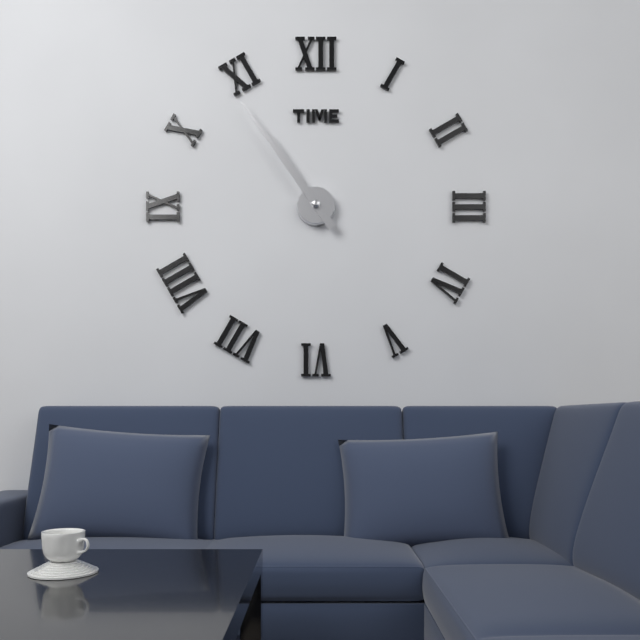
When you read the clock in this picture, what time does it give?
10:54
